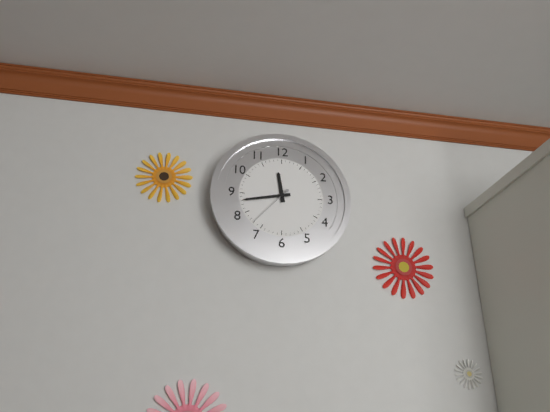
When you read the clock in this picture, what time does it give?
11:43
